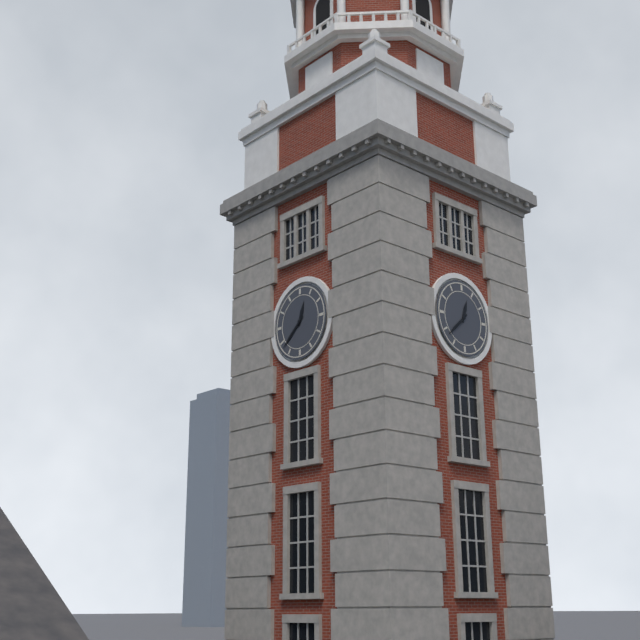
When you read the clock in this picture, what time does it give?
12:38
